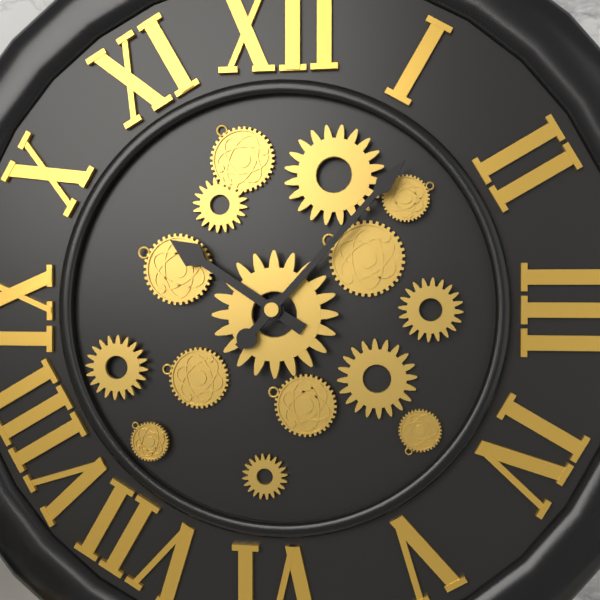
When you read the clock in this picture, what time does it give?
10:07
